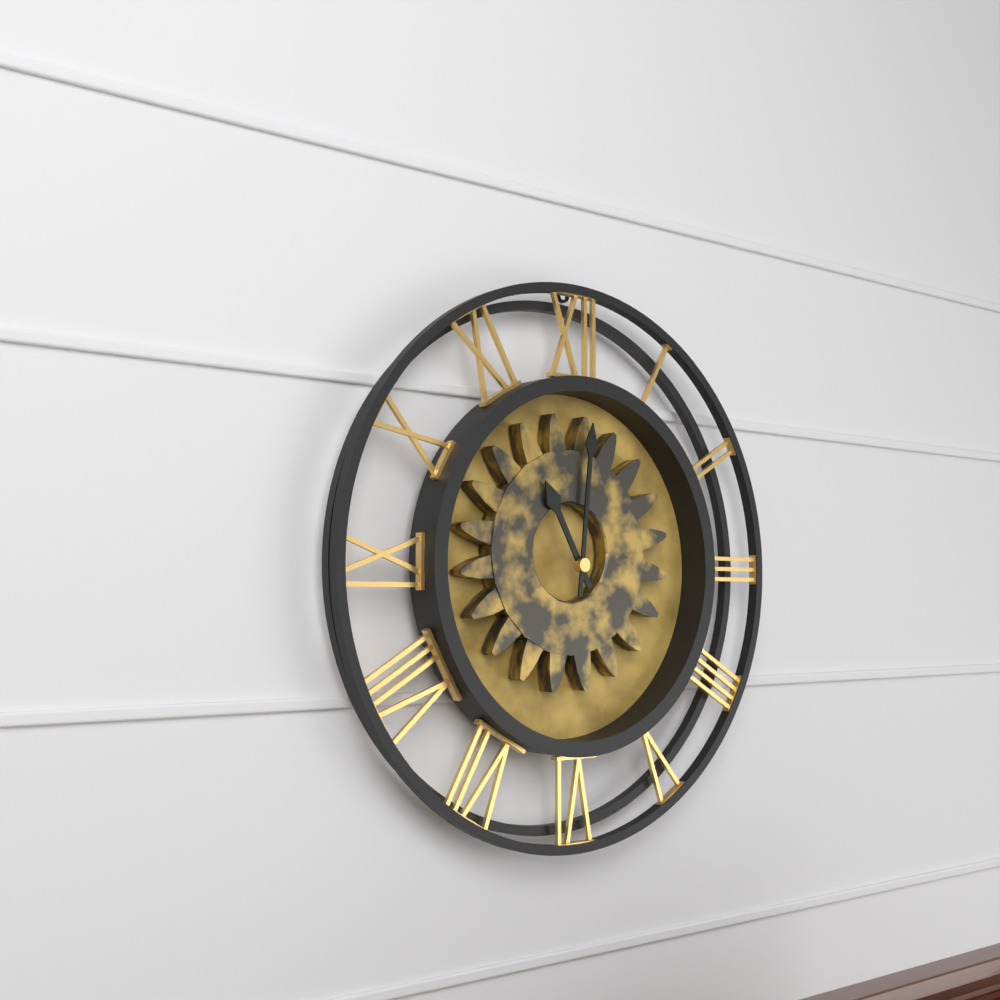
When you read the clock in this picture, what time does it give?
11:01
